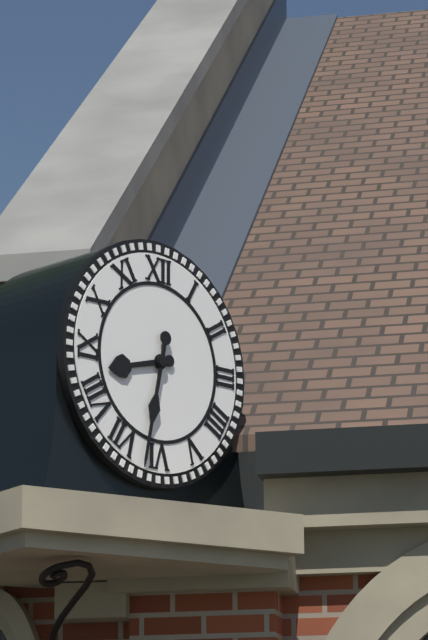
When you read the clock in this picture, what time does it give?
8:32
